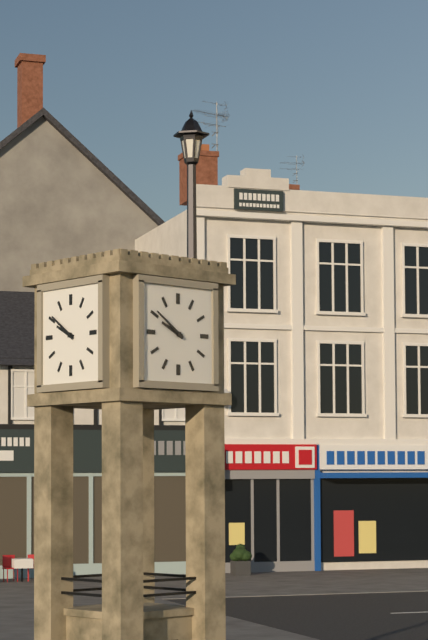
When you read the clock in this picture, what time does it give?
9:51
